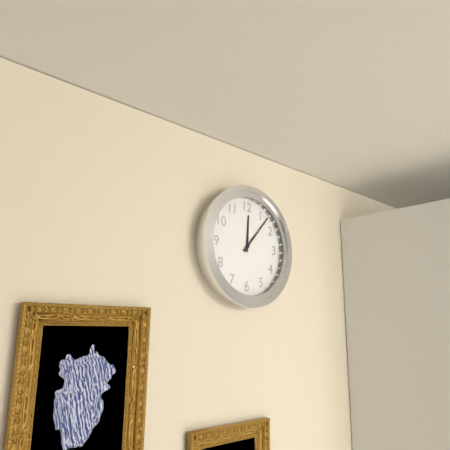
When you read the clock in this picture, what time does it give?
12:07
